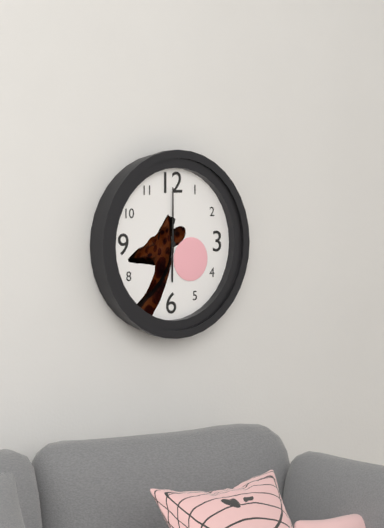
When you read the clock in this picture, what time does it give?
6:00
